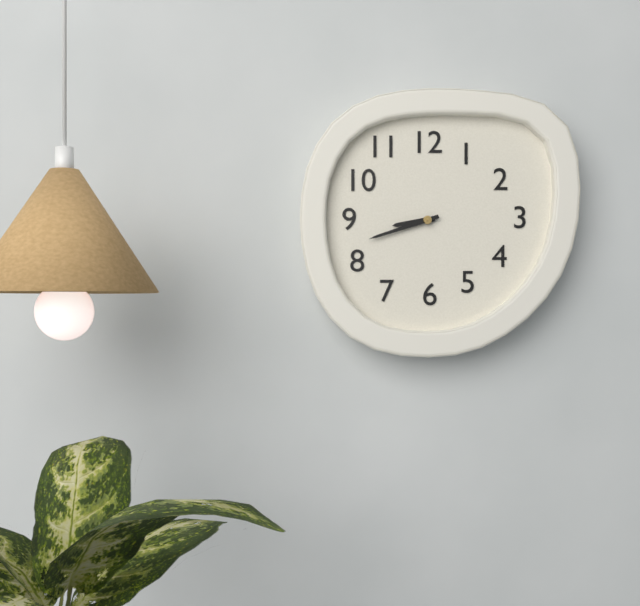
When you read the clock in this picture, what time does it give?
8:42
